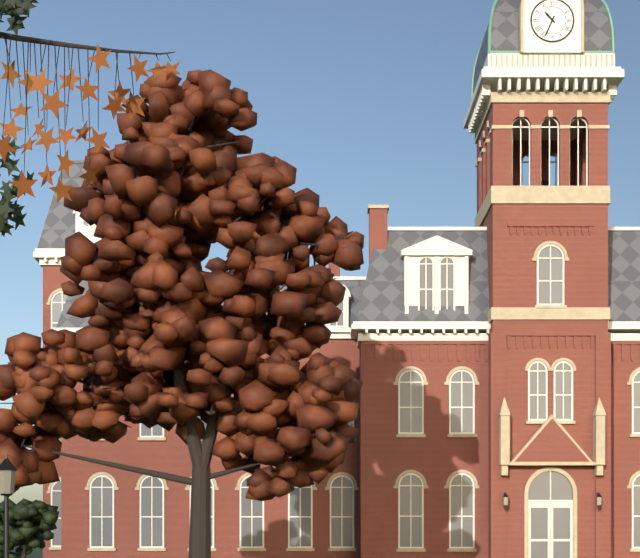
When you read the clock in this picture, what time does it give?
10:34
